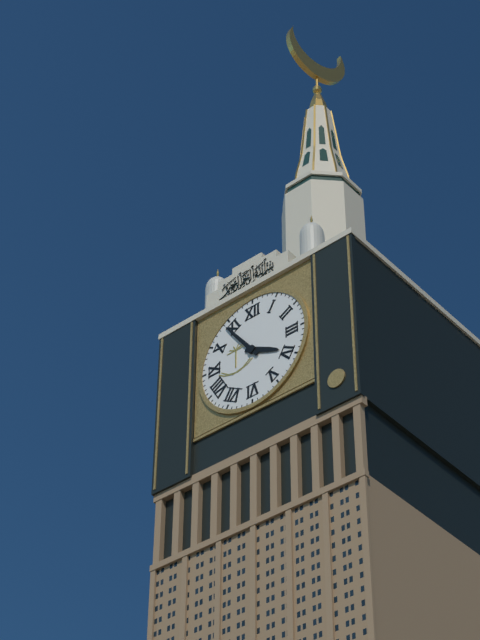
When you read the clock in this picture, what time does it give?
3:54
